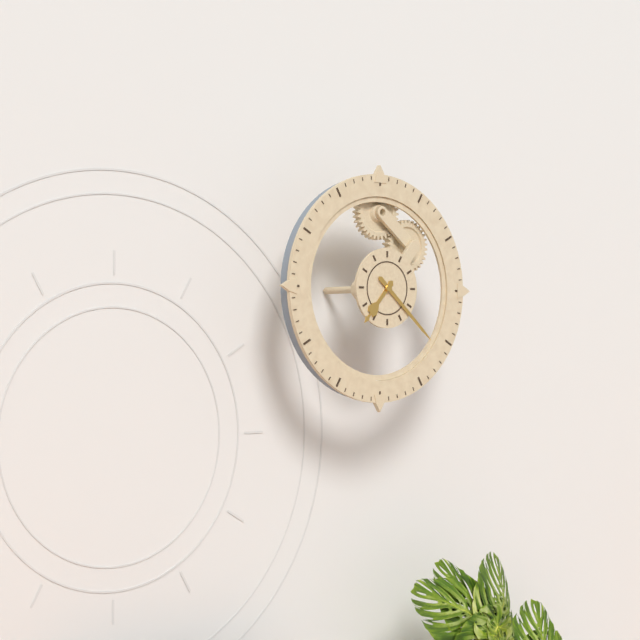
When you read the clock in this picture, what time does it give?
7:22
